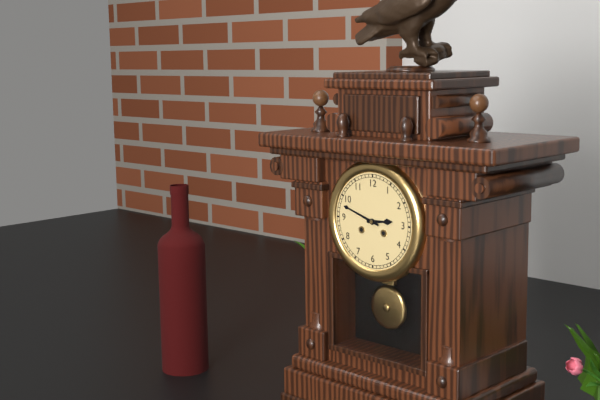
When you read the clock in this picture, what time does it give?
2:48
